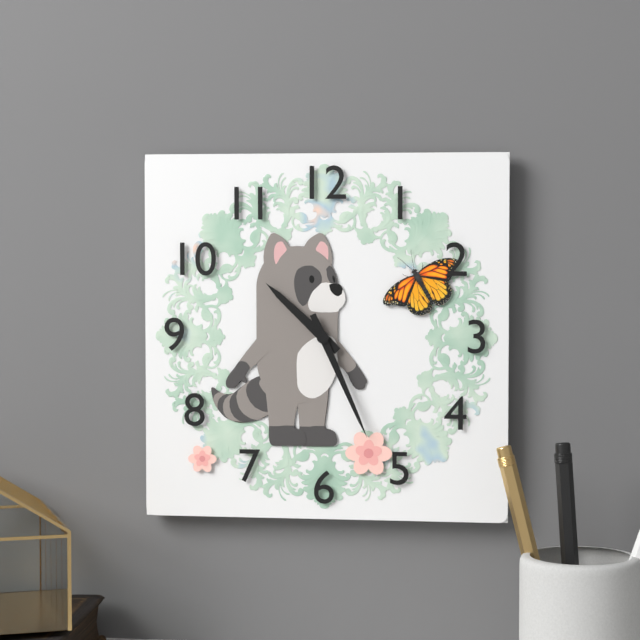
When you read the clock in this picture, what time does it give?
10:26
